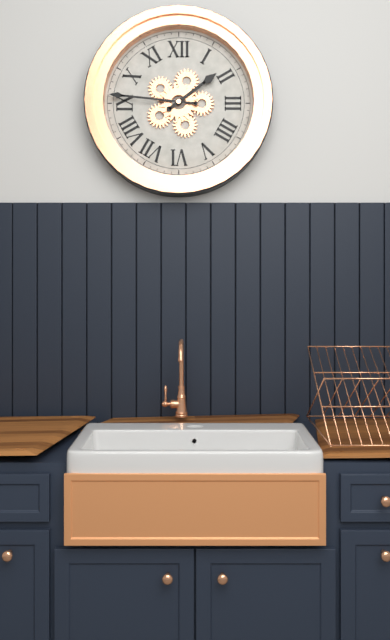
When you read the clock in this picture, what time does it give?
1:46
